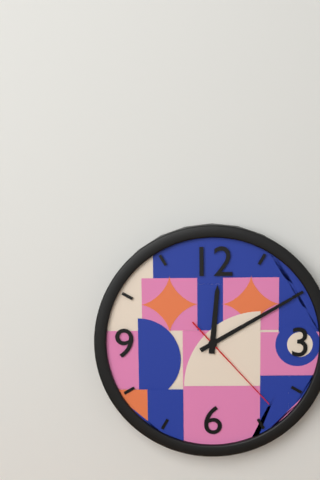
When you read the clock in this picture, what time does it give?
12:10:23
